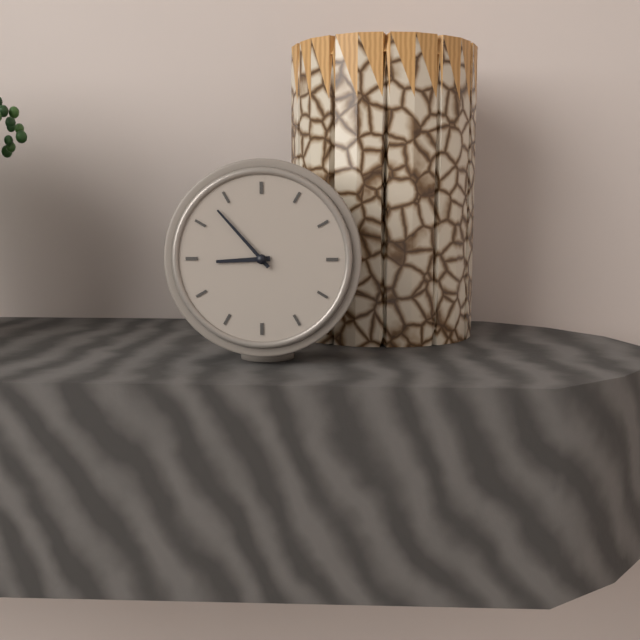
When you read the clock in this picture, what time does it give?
8:53
